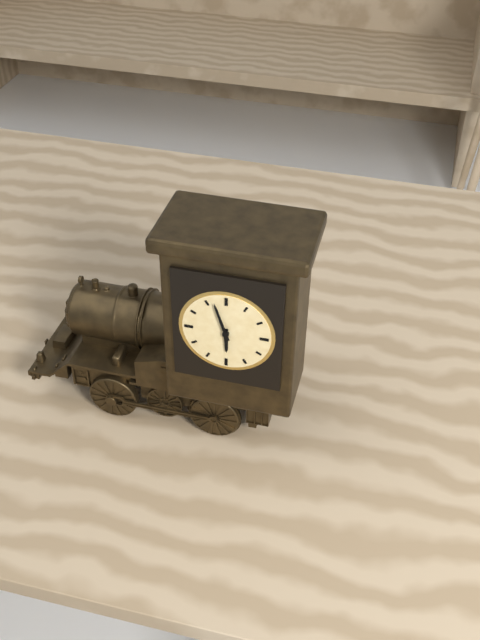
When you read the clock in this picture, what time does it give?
5:57
